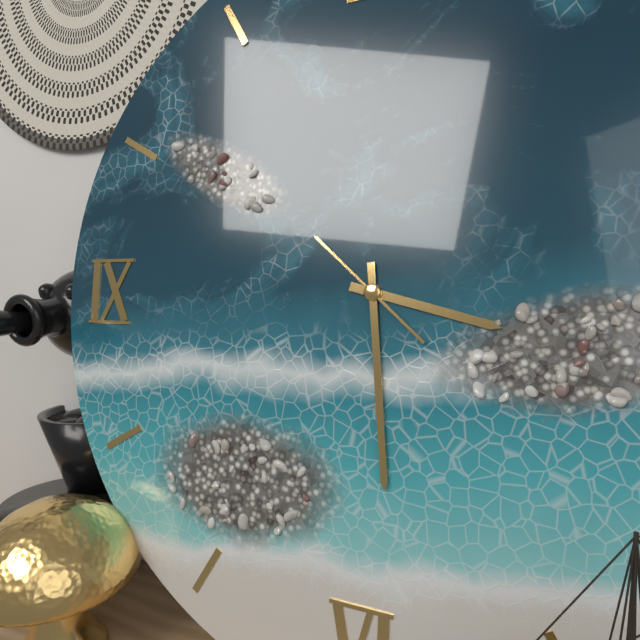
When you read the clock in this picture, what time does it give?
3:29:52
